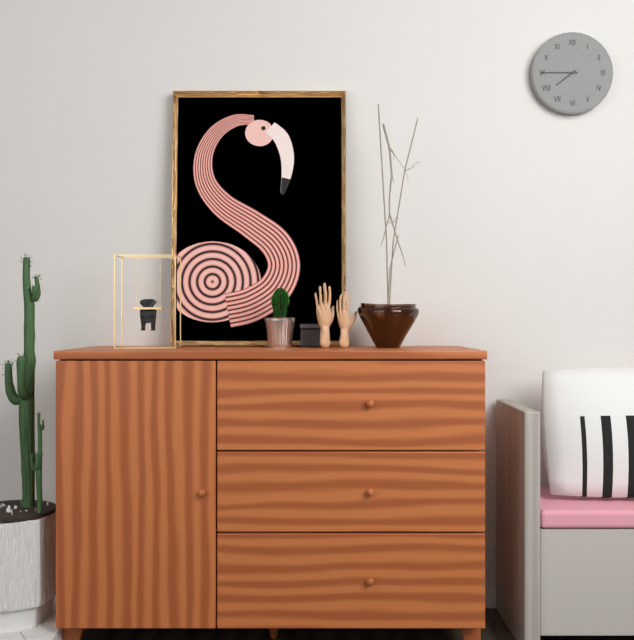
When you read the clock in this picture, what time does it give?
7:45
